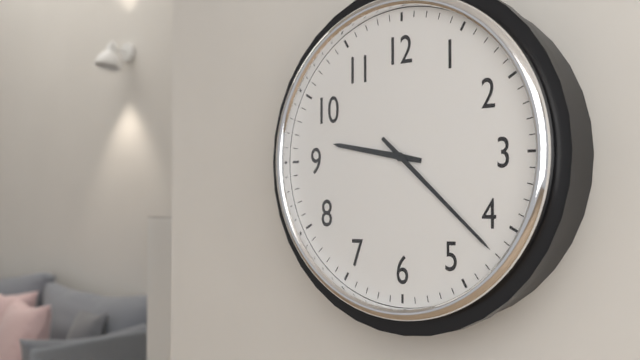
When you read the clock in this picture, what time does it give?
9:22
